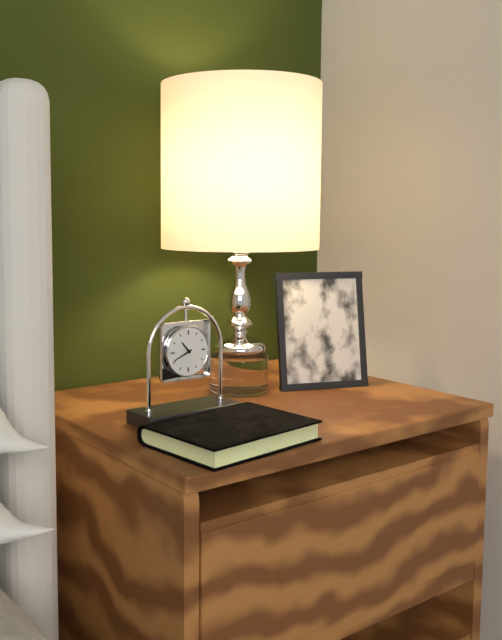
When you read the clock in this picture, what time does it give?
10:41
